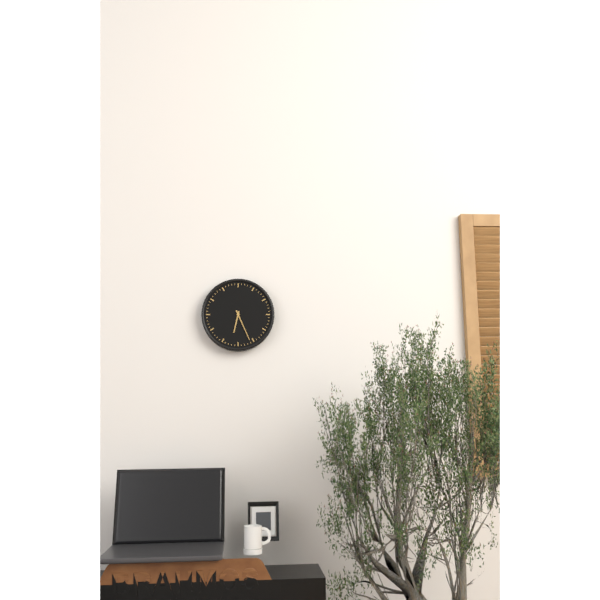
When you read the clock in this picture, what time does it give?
6:26
